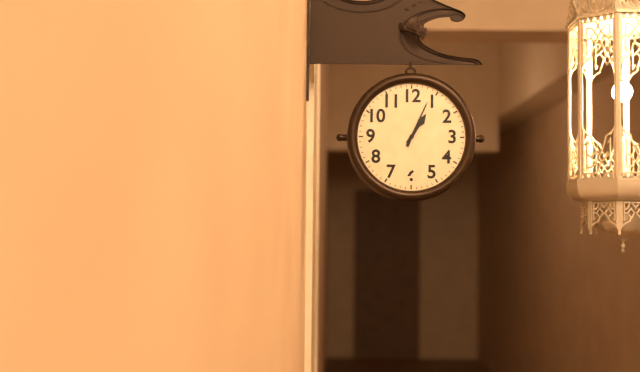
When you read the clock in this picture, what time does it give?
1:04
